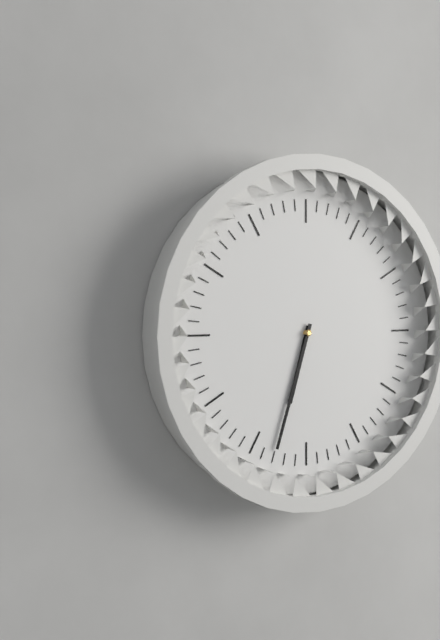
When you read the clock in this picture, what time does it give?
6:33
